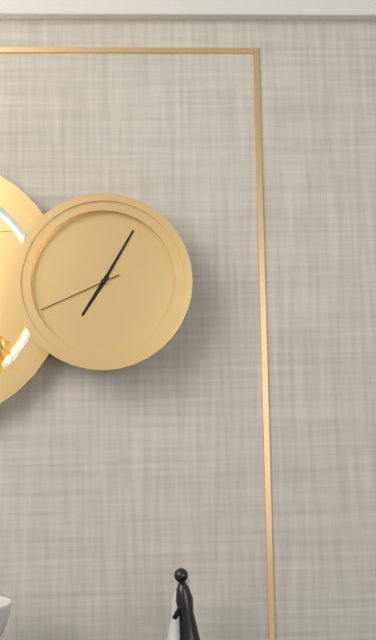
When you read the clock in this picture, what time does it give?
7:05:41
